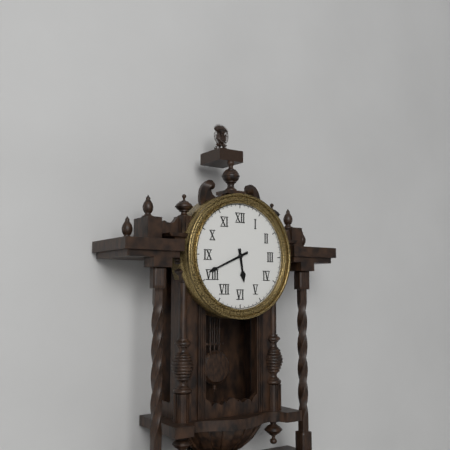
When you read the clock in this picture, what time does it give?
5:41
